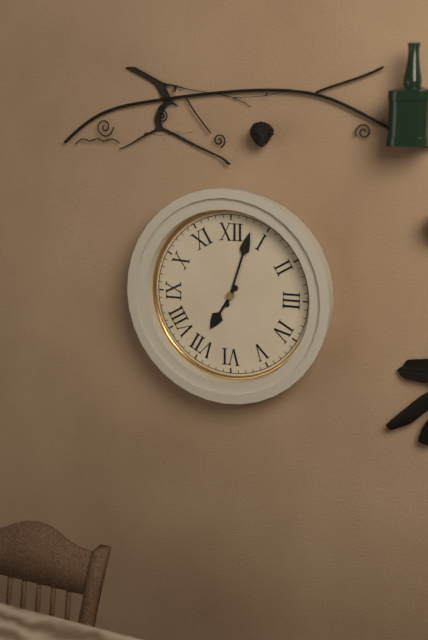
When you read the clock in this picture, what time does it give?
7:03
